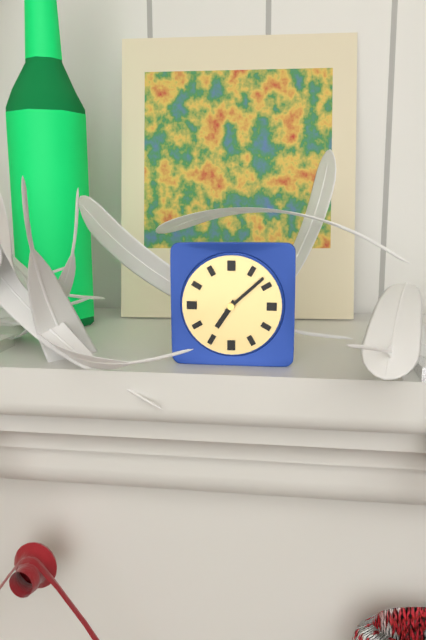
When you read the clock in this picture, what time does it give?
7:08
